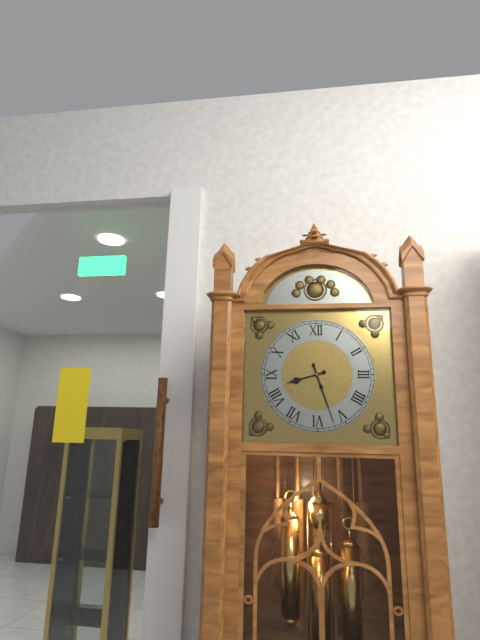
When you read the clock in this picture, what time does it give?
8:27
